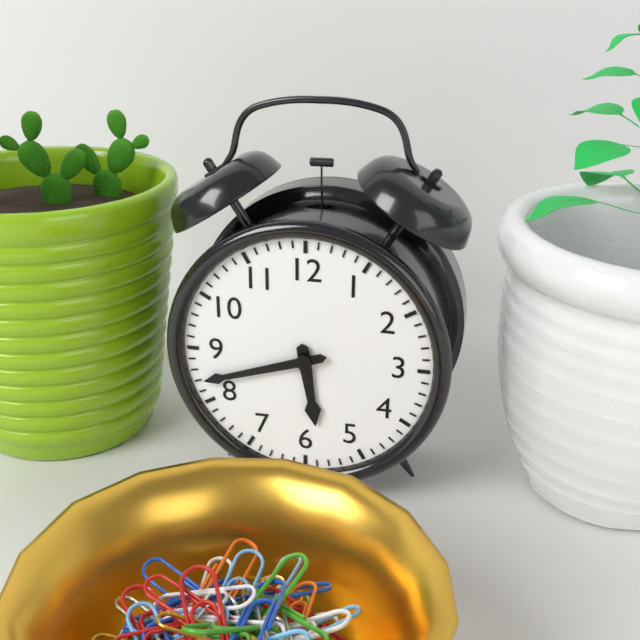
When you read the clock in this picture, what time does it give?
5:42
